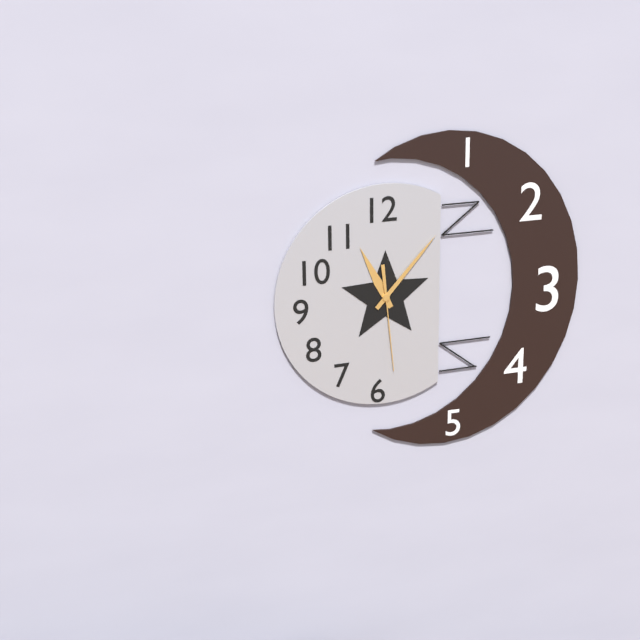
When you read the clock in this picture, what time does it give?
11:07:29
